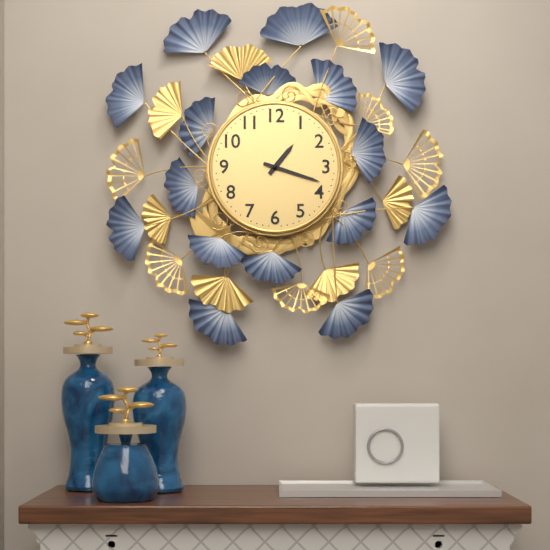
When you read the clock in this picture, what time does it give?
1:18
